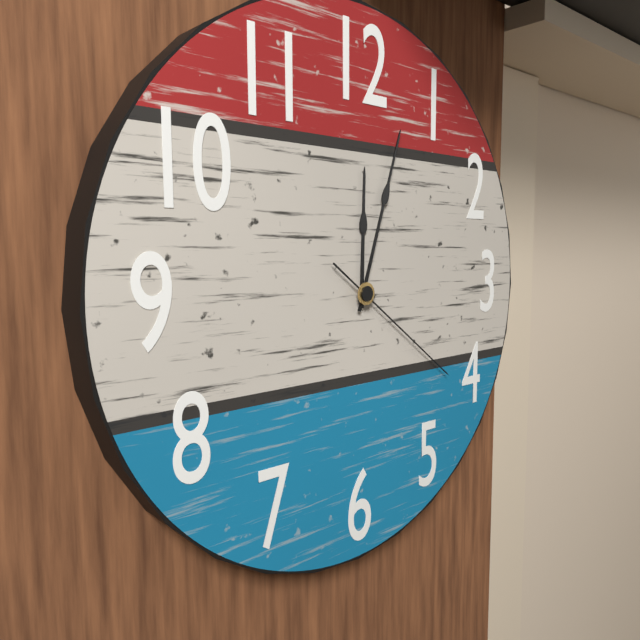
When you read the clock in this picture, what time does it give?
12:03:21
